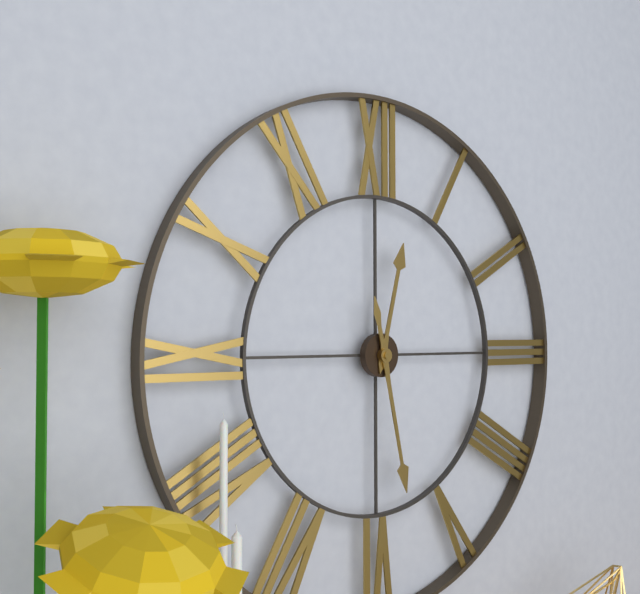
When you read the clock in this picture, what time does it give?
12:28
